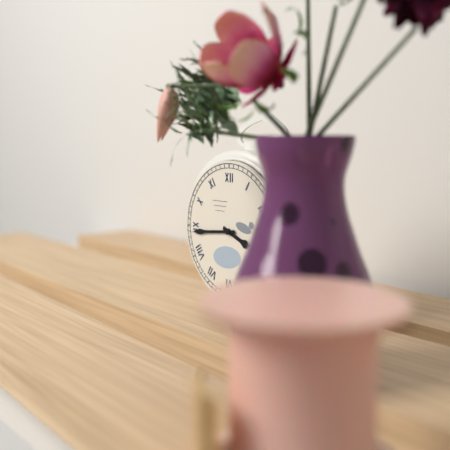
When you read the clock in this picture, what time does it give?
3:44
